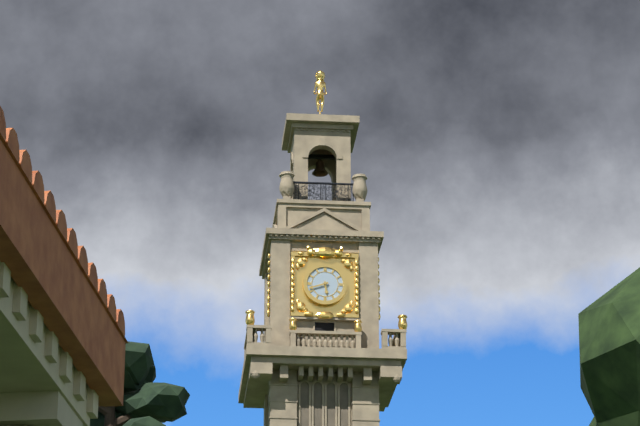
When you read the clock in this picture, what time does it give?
5:42
